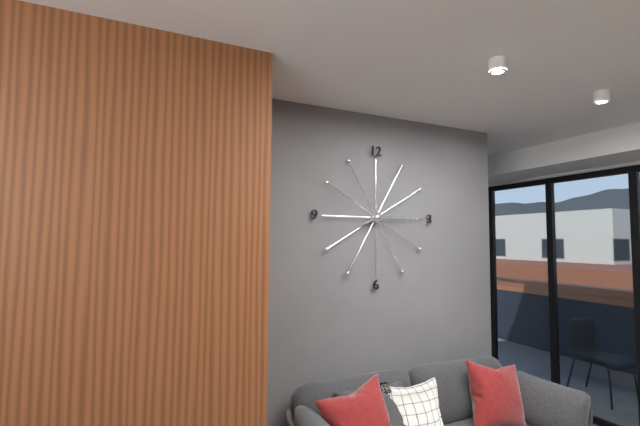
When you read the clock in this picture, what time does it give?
8:15
